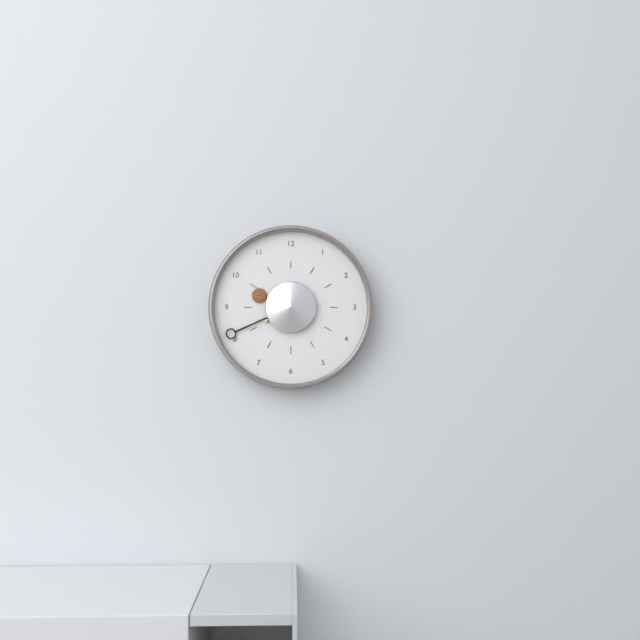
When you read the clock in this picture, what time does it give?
9:41
